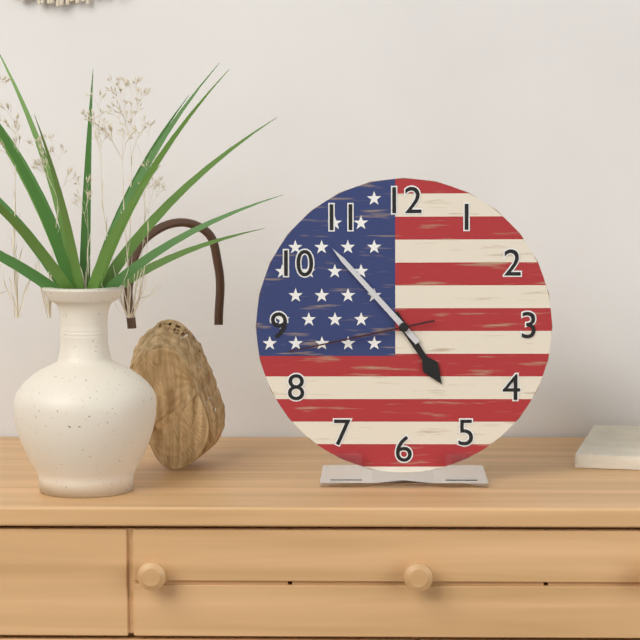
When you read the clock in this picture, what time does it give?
4:53:43
